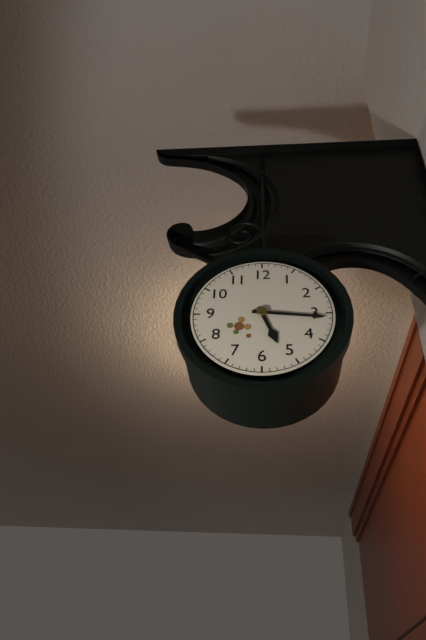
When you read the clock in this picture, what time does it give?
5:16
